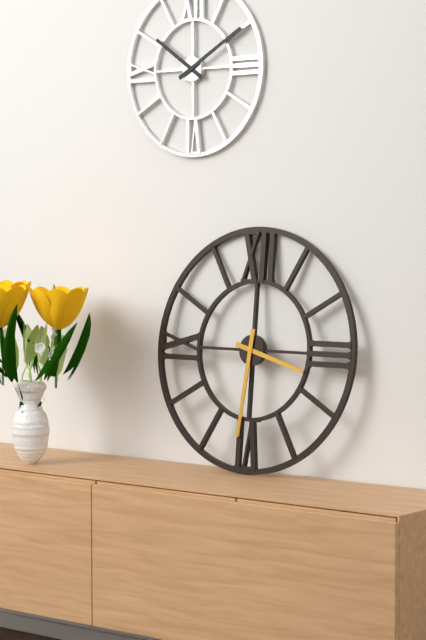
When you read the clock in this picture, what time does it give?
3:31
